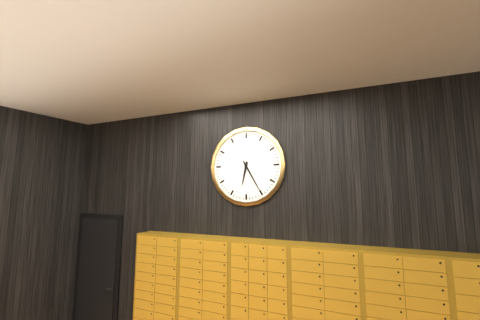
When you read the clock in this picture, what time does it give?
6:25
